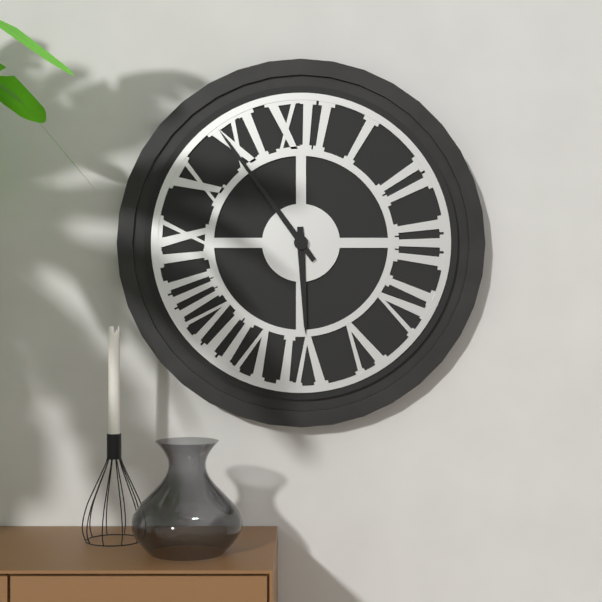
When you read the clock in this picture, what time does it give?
5:54
